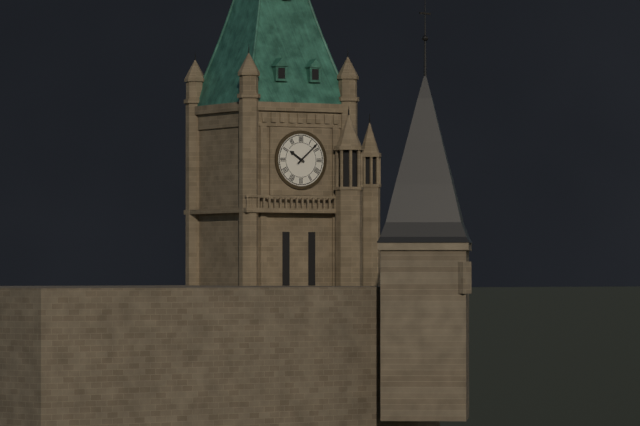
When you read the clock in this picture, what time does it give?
10:08
